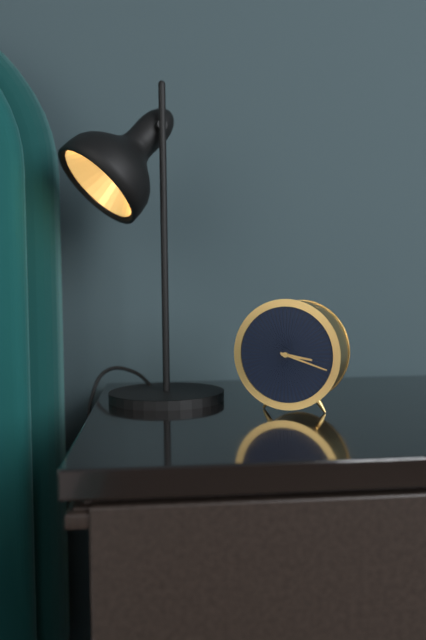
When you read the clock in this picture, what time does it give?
3:18
